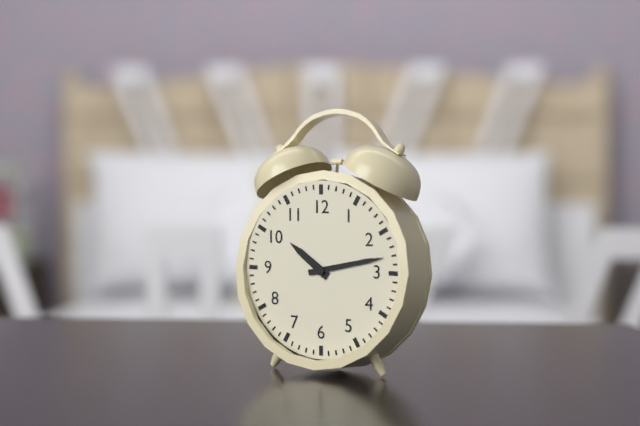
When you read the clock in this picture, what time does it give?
10:13
